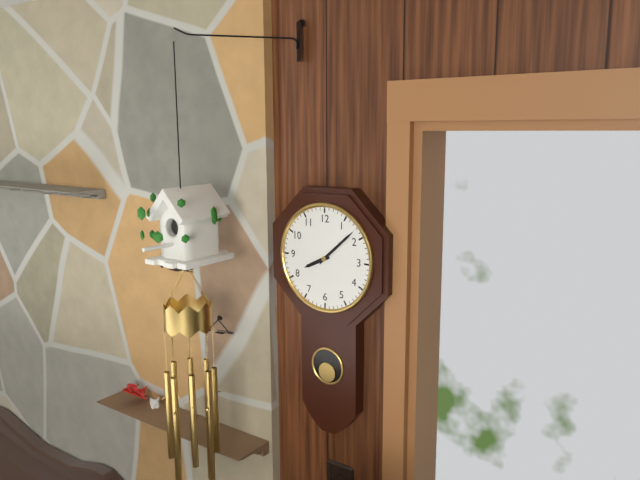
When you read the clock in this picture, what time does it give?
8:08
